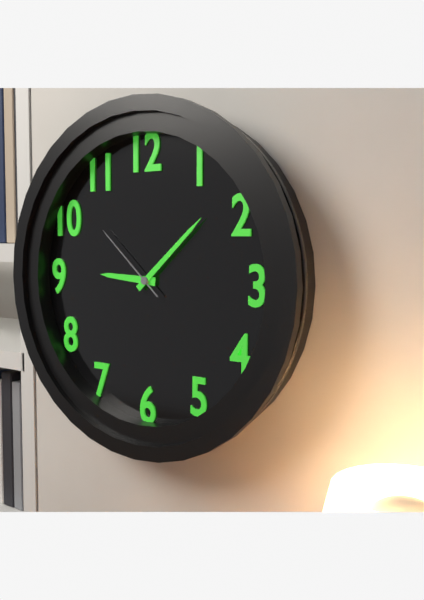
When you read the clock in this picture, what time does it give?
9:08:52
